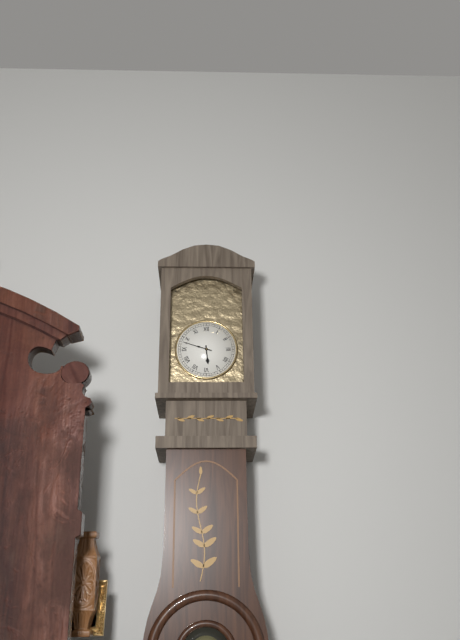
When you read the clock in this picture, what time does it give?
5:48
